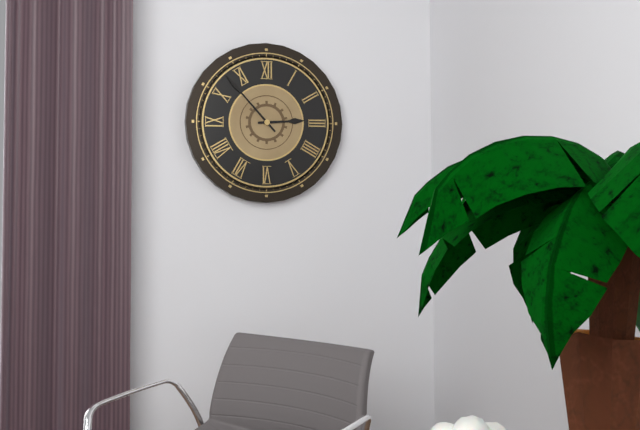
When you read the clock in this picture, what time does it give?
2:53
